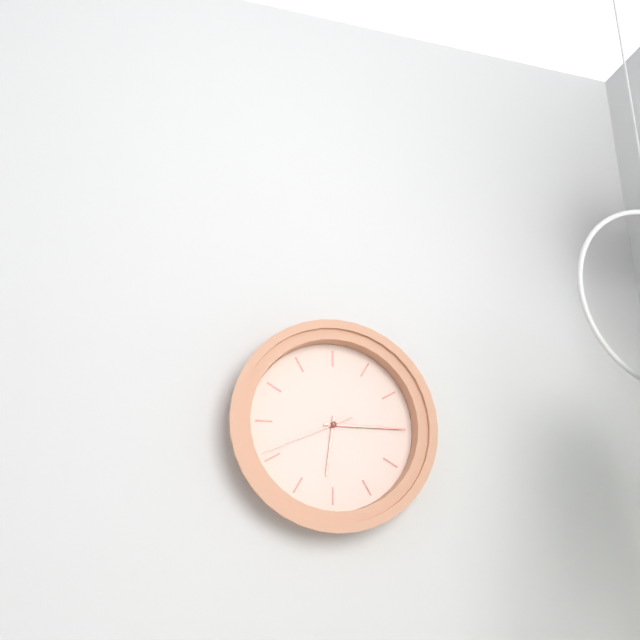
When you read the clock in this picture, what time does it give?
6:15:41
